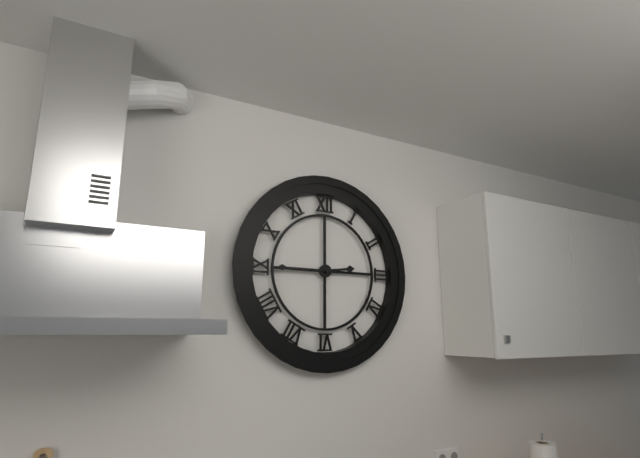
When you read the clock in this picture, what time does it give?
2:45
